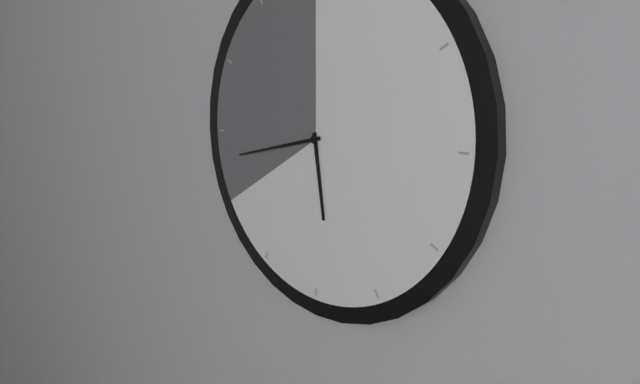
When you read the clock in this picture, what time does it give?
5:43
